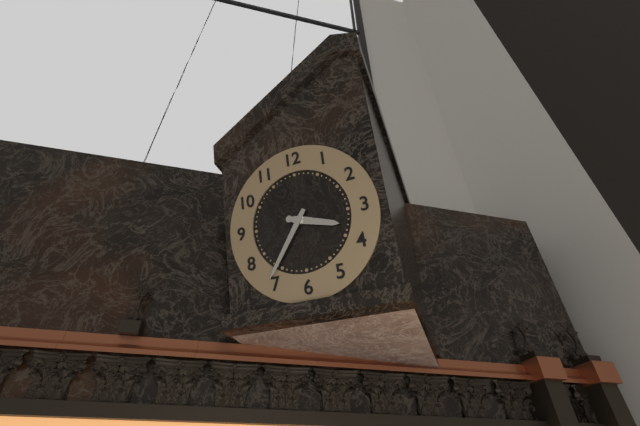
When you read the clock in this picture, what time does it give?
3:36
